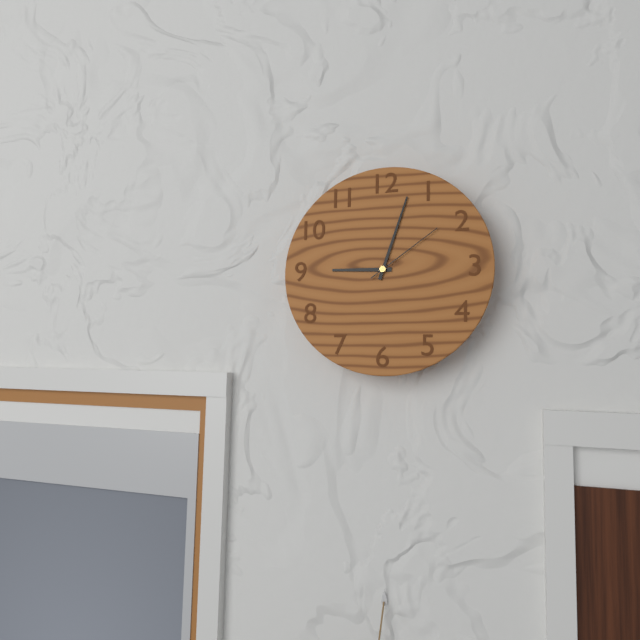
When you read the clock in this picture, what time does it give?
9:03:09
